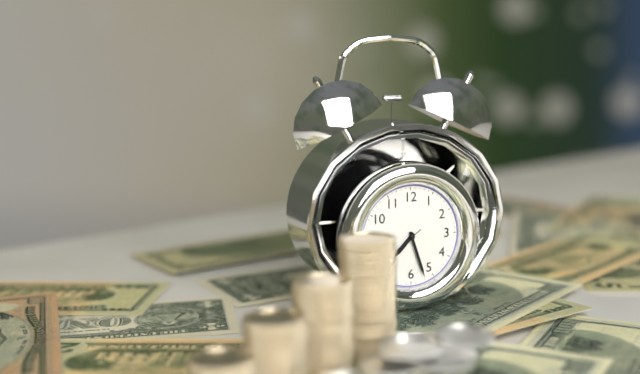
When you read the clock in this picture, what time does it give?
7:27
